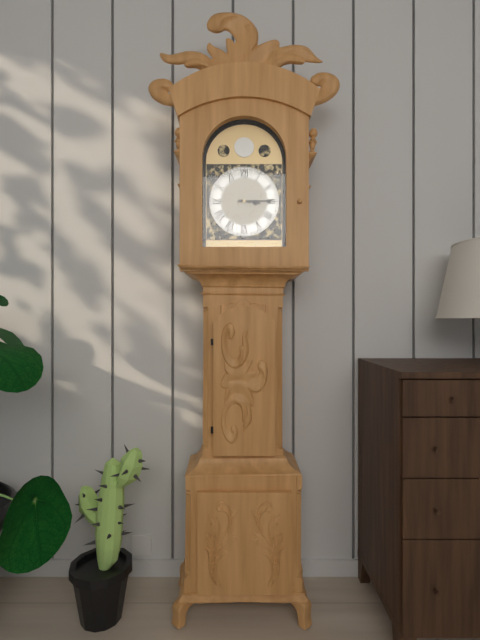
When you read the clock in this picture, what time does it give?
3:15
